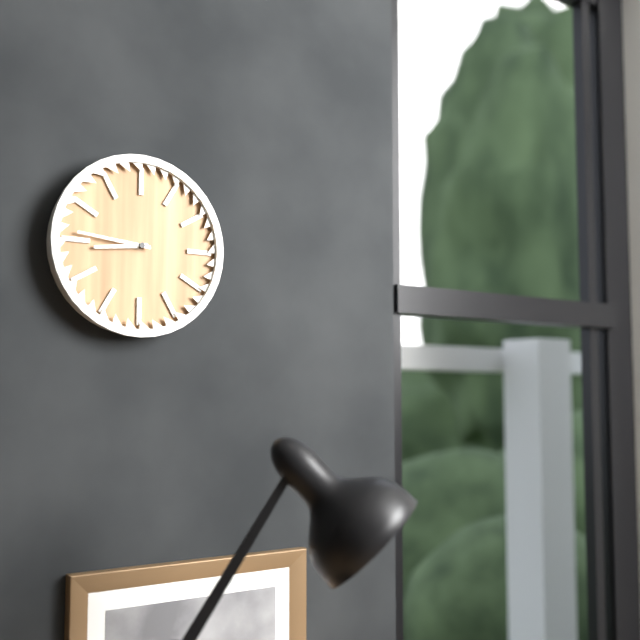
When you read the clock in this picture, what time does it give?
8:46
